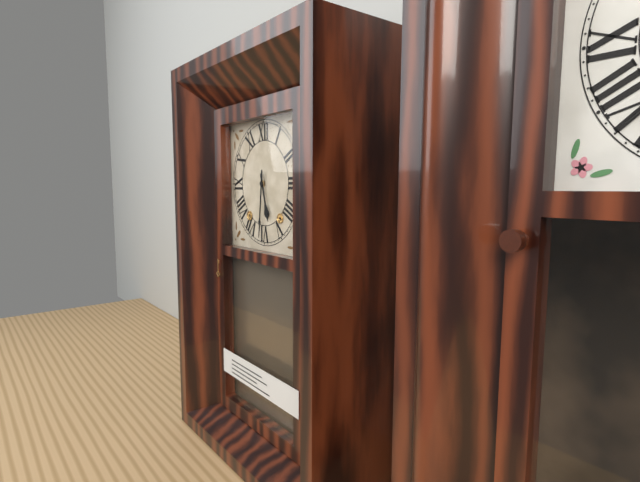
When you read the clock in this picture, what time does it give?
5:31
